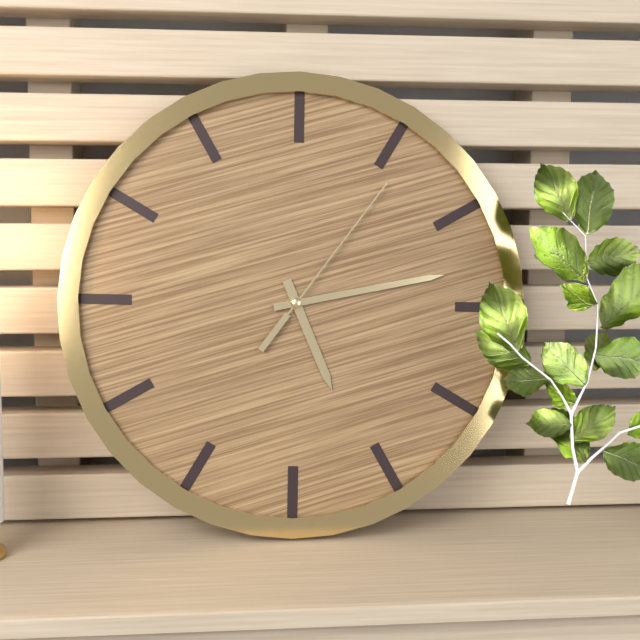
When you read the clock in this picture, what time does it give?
5:13:06
